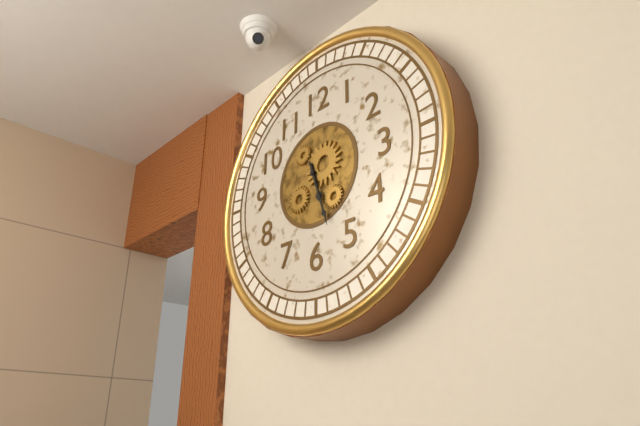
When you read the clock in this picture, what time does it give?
5:27
